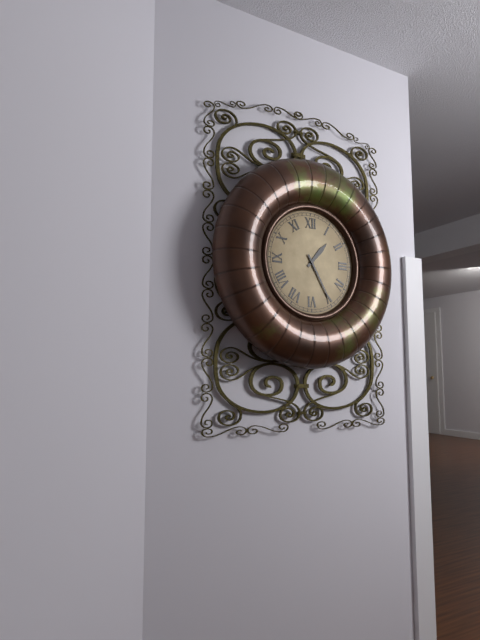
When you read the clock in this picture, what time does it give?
1:25
